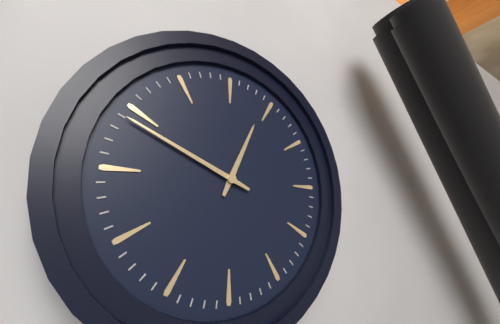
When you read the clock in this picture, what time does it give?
12:49
